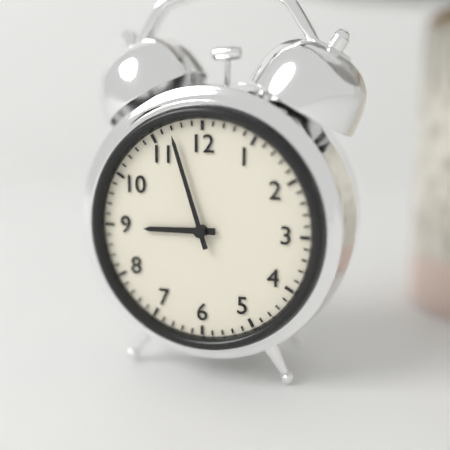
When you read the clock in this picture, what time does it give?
8:57
